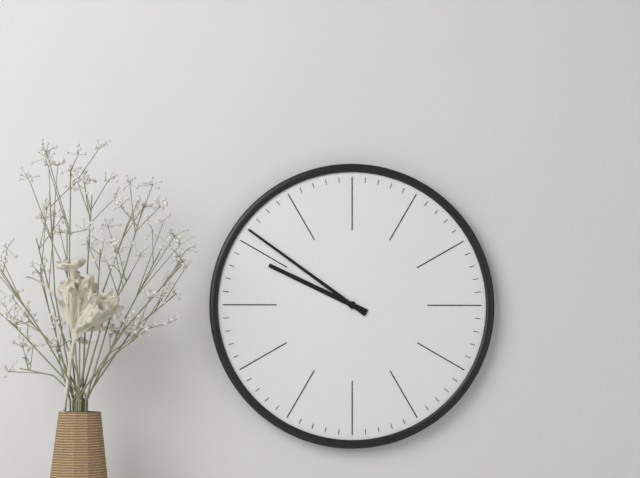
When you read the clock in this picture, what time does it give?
9:51
